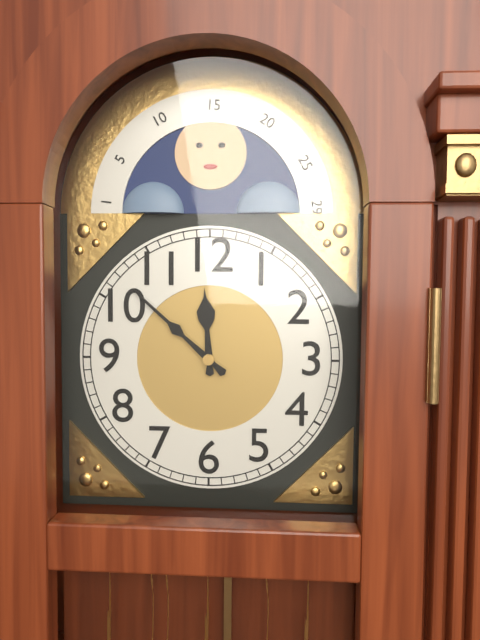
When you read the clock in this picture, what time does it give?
11:52
